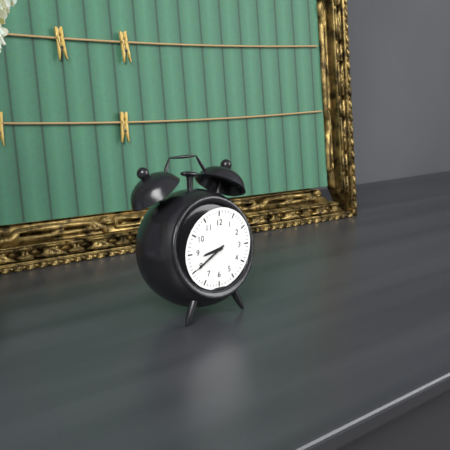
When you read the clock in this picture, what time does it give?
8:40
